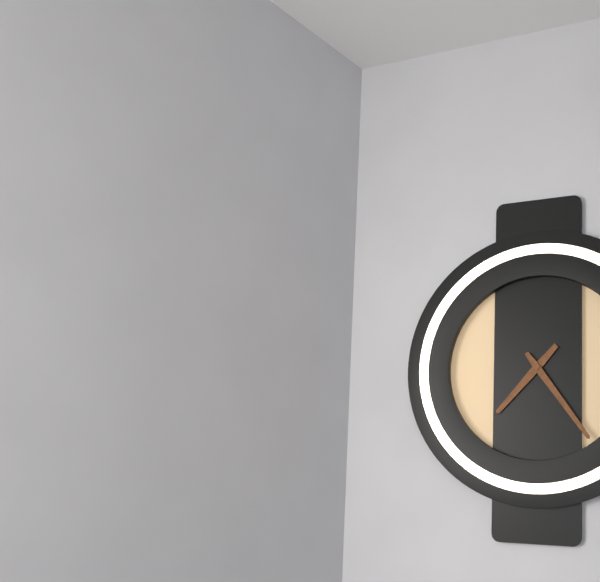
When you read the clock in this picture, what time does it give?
7:24
